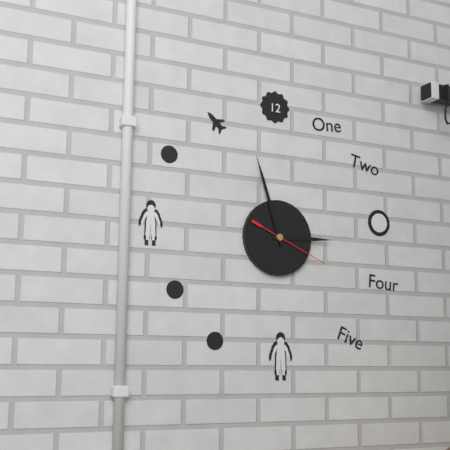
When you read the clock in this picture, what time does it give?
2:57:19
